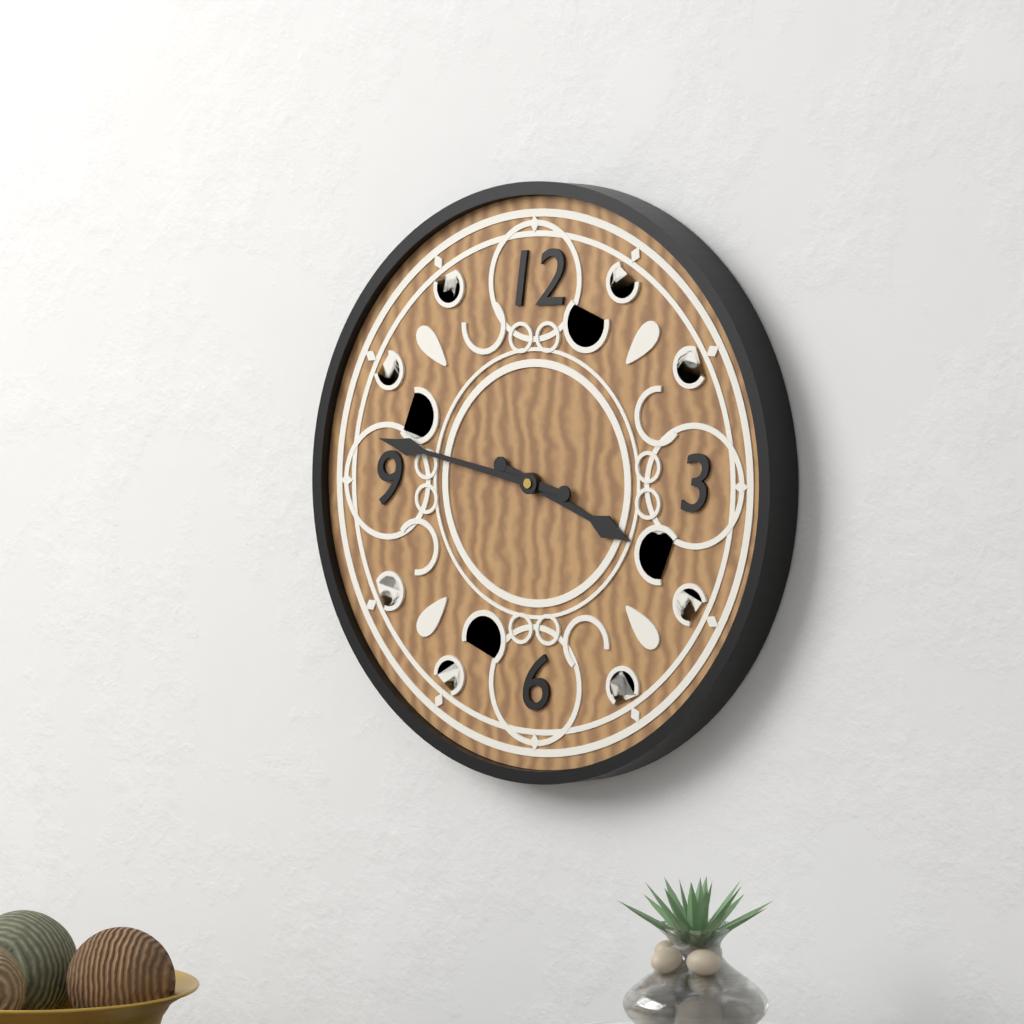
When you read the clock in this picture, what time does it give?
3:47
